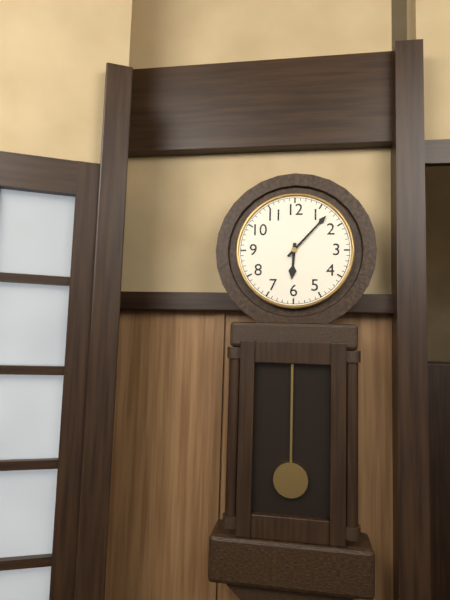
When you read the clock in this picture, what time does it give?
6:07
